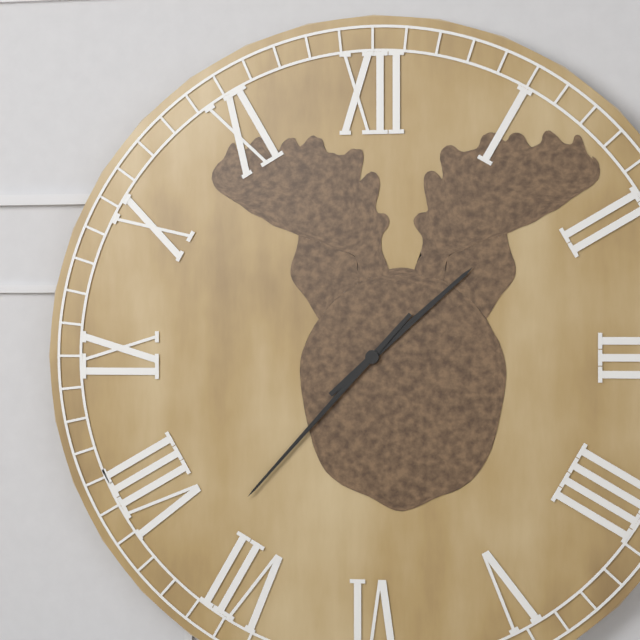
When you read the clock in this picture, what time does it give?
1:37
